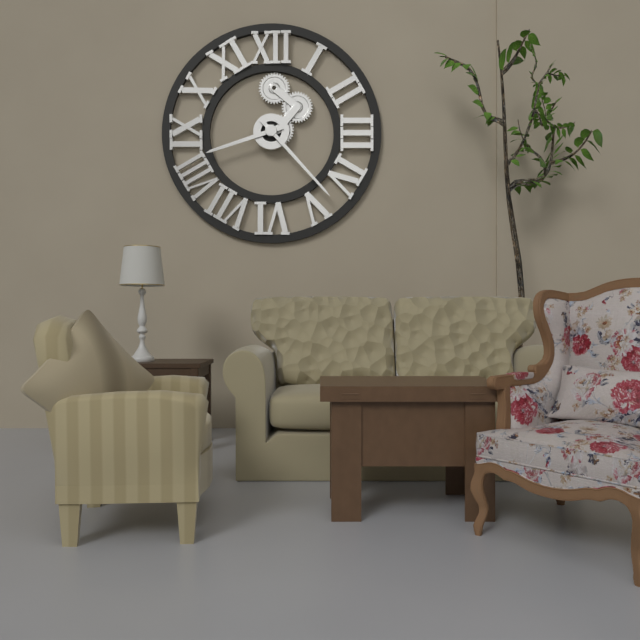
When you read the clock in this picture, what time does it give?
8:23
